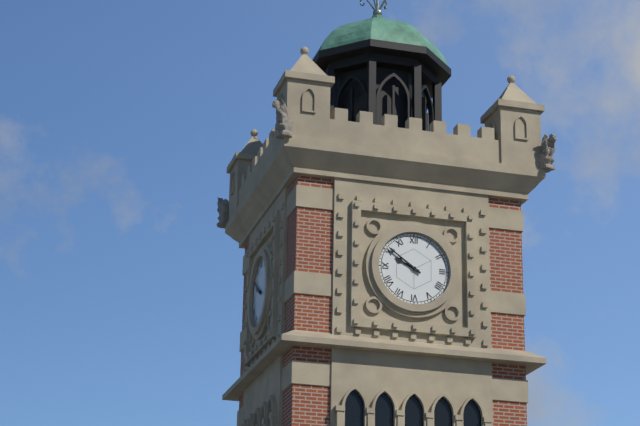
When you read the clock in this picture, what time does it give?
9:51
